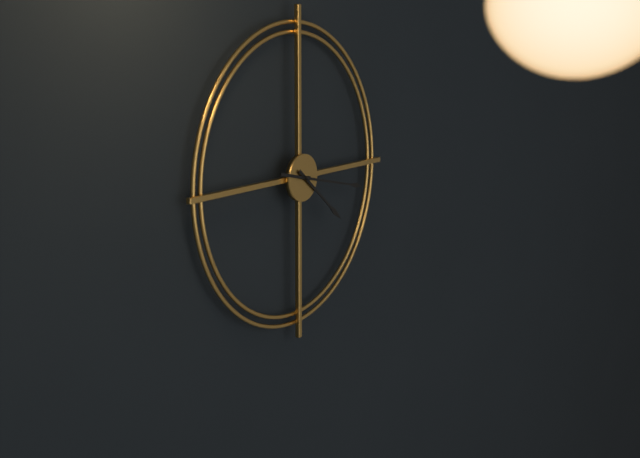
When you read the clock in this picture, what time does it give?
4:17
